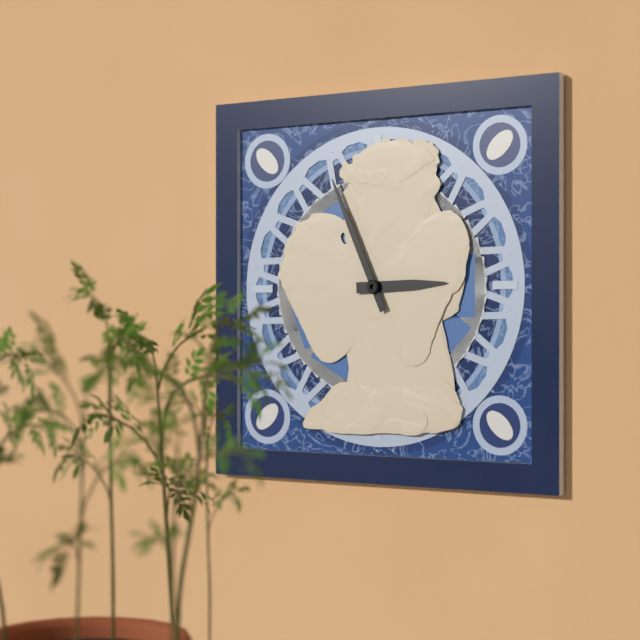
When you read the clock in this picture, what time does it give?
2:56
